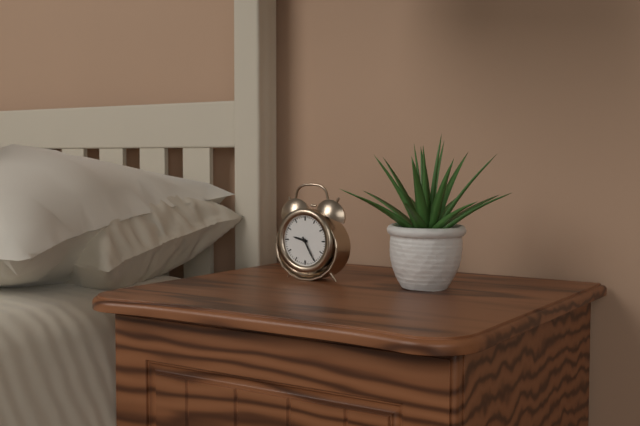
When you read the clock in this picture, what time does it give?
9:25
